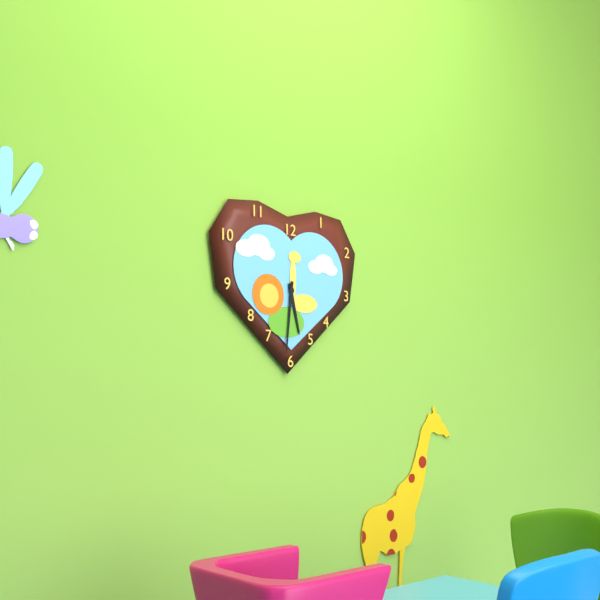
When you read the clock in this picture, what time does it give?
5:31
